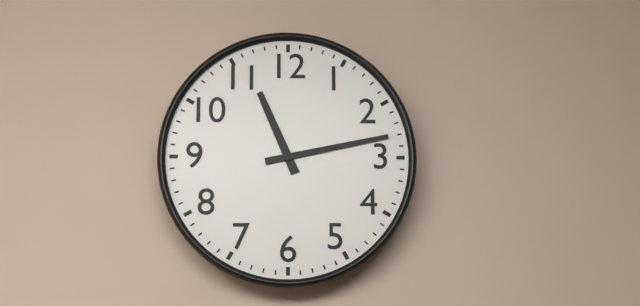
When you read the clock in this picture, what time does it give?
11:13
